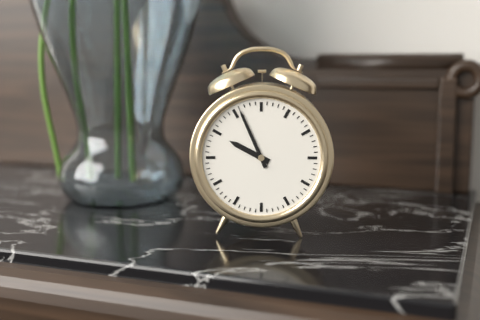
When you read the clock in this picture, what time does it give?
9:56
